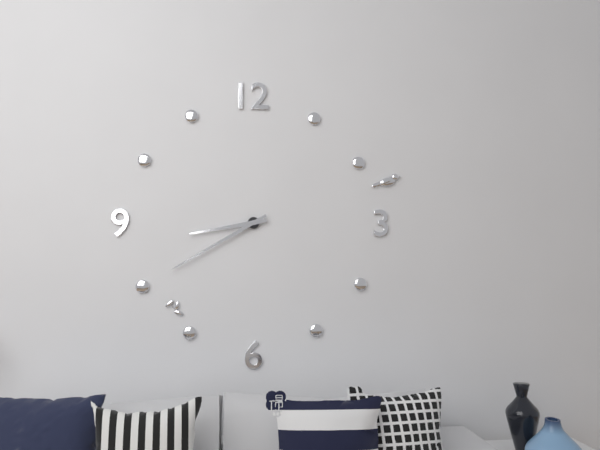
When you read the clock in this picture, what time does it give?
8:40
